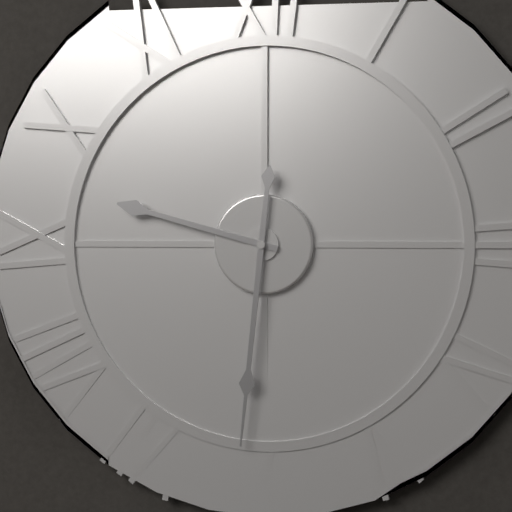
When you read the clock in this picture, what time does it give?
9:31
